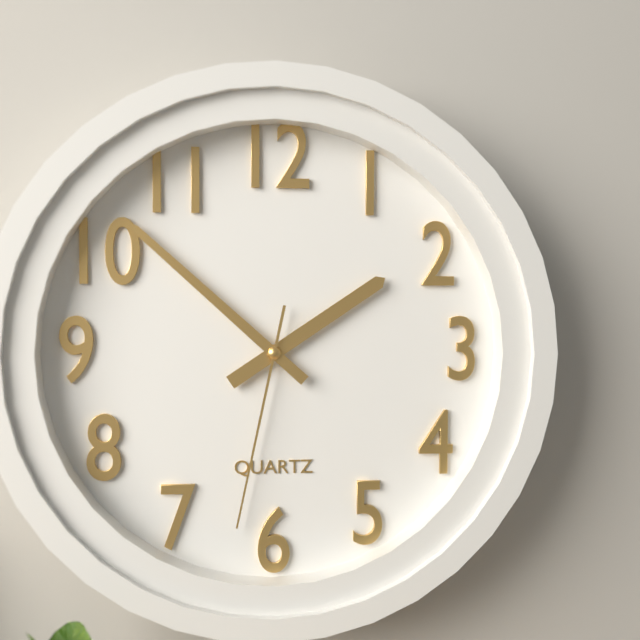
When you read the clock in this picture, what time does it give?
1:52:32
